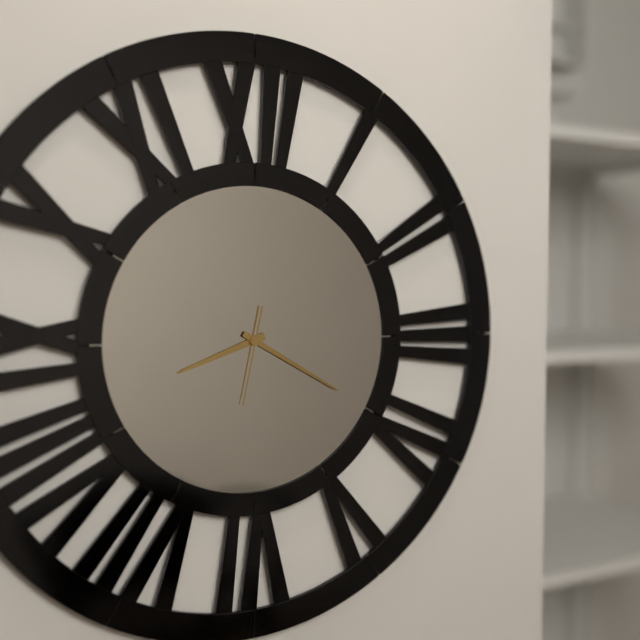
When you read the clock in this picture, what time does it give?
8:20:32
